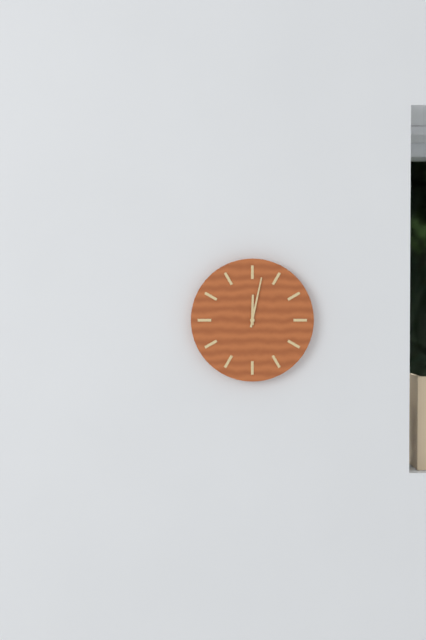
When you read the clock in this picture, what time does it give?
12:02
